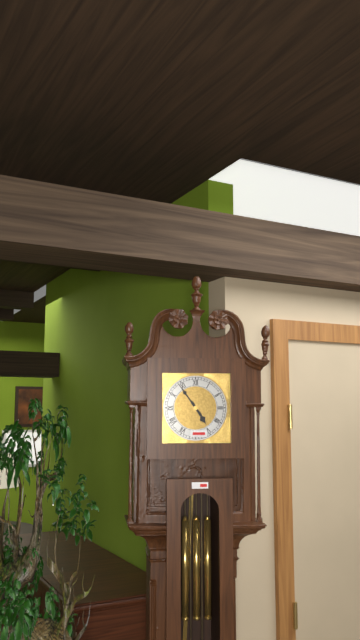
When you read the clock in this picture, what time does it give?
4:54
